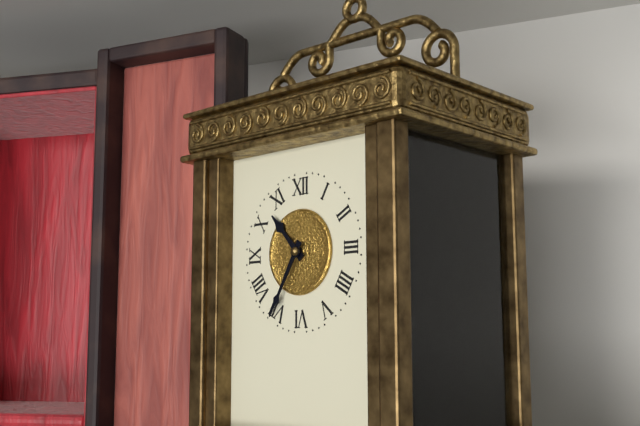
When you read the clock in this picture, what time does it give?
10:35
